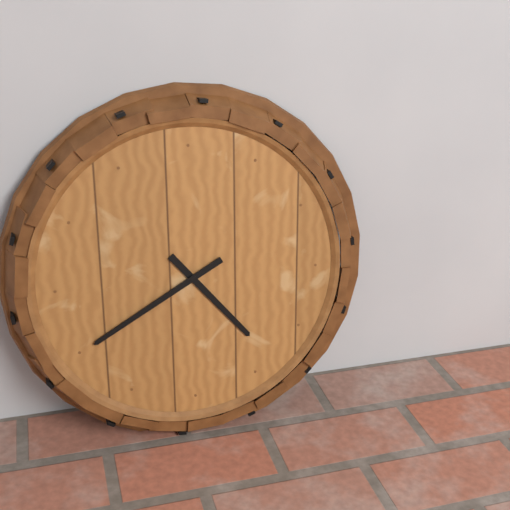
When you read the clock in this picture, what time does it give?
4:40
